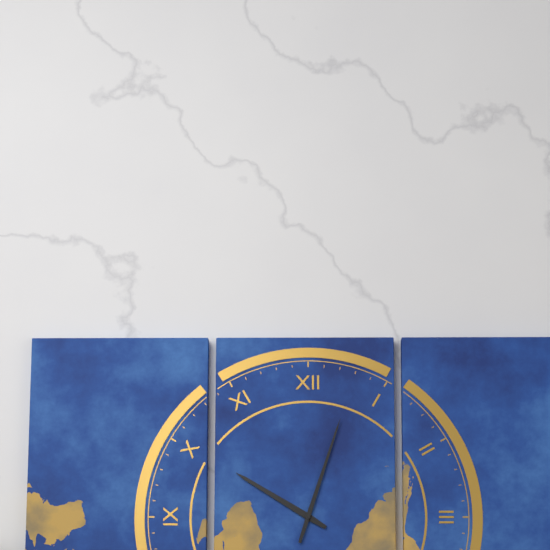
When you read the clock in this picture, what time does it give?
10:03
